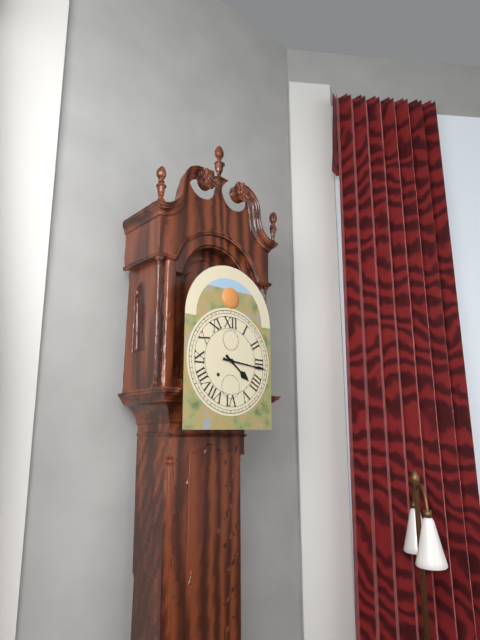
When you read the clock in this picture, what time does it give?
4:16
